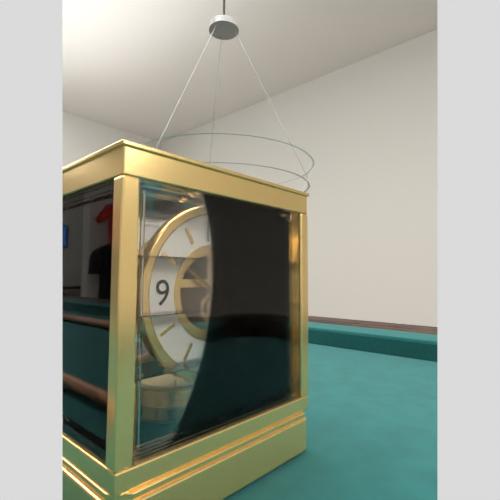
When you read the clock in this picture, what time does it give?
10:08
